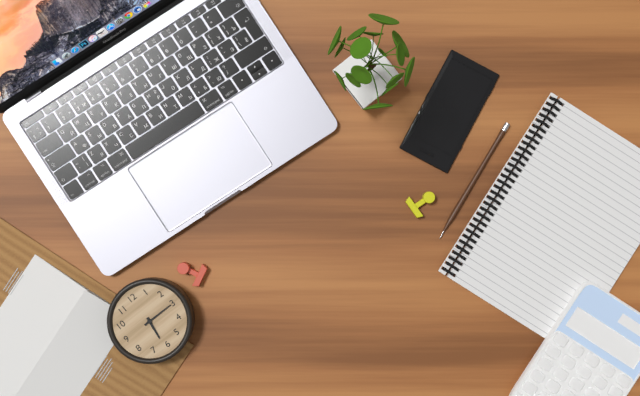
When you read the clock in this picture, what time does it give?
6:15
